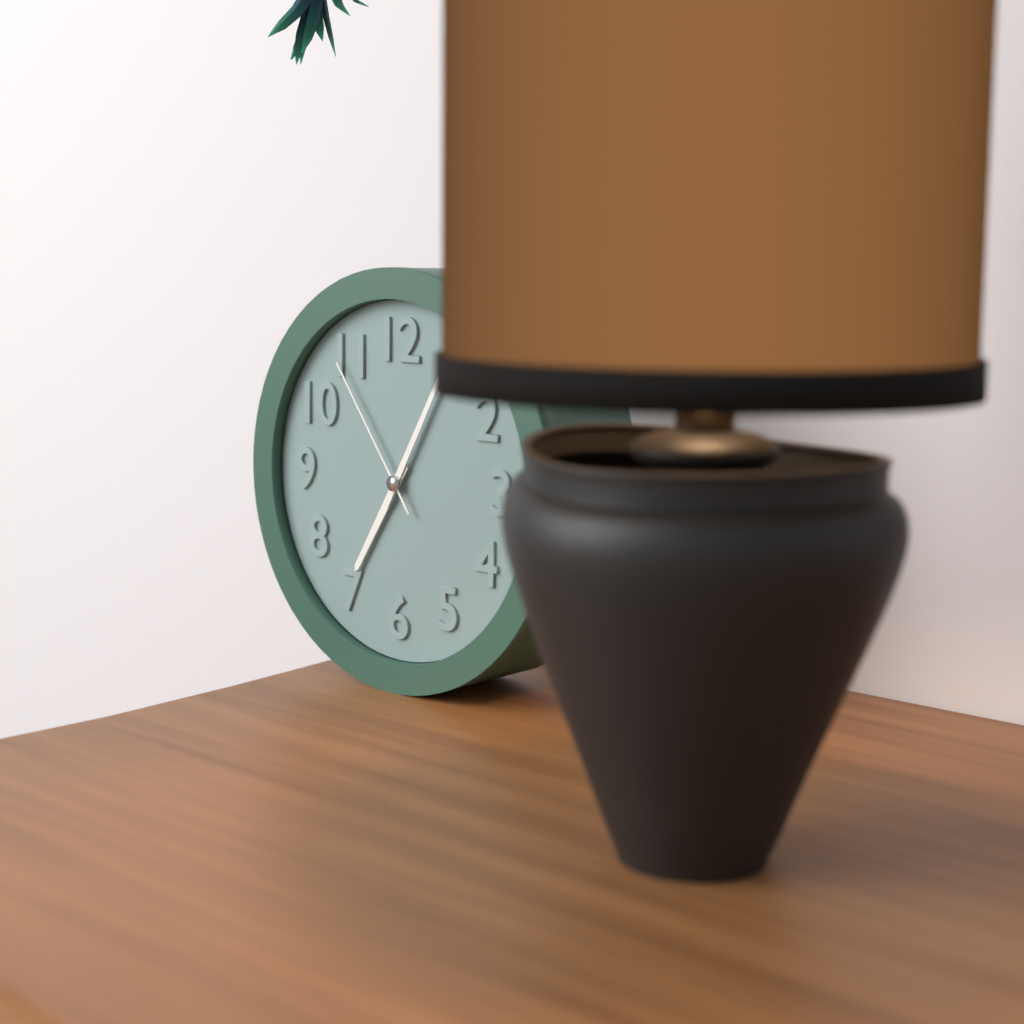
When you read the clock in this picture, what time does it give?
7:05:54
